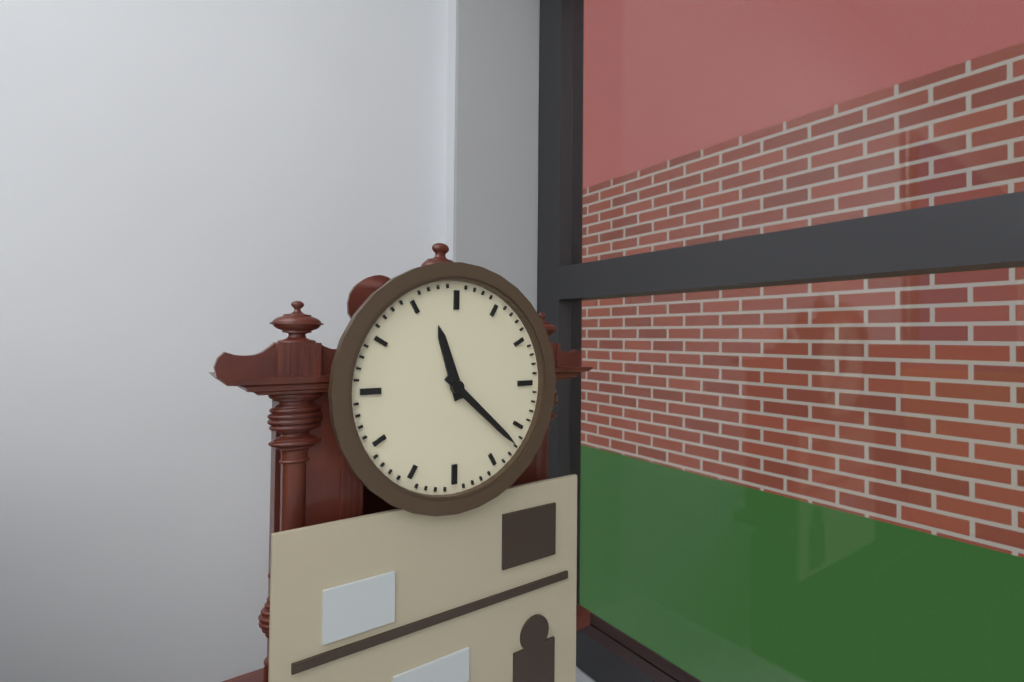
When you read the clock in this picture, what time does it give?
11:22
